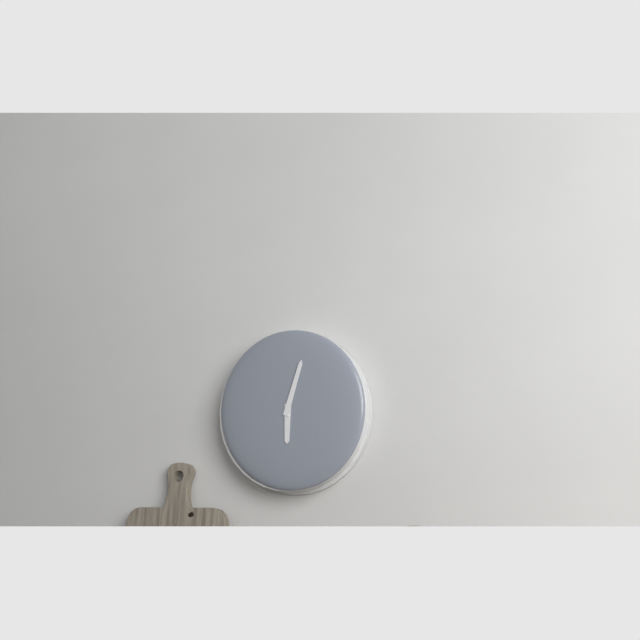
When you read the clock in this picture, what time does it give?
6:03
